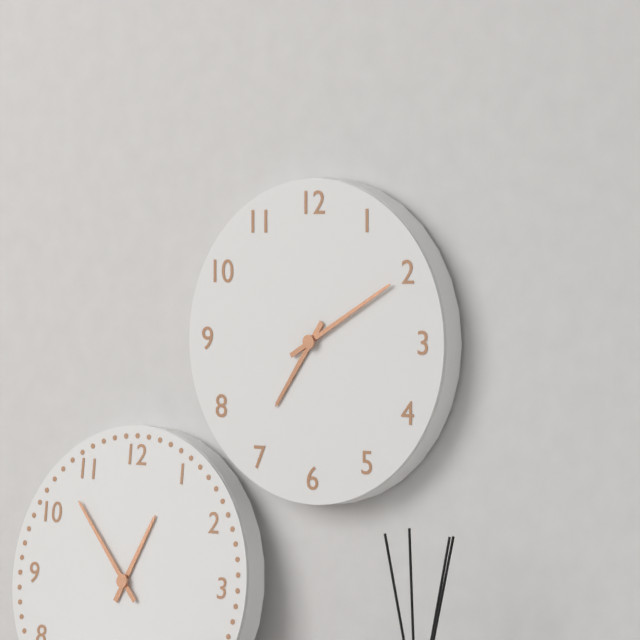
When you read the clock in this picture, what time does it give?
7:10
